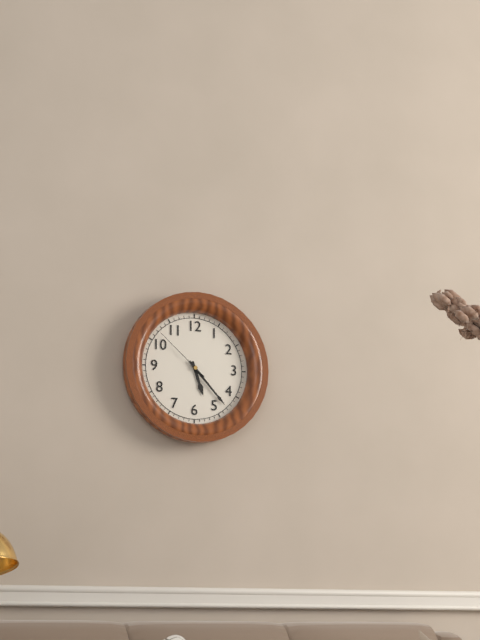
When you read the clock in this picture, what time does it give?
5:23:52
